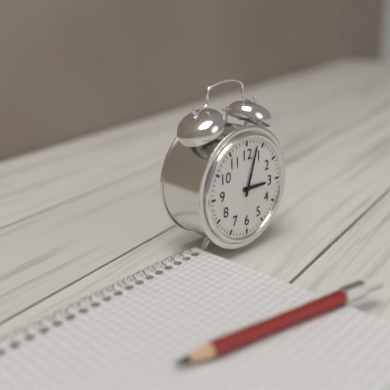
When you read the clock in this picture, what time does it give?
3:03
